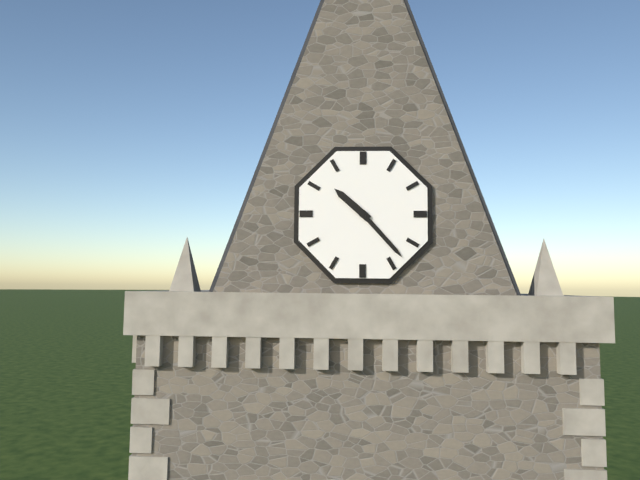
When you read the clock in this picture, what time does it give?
10:23
